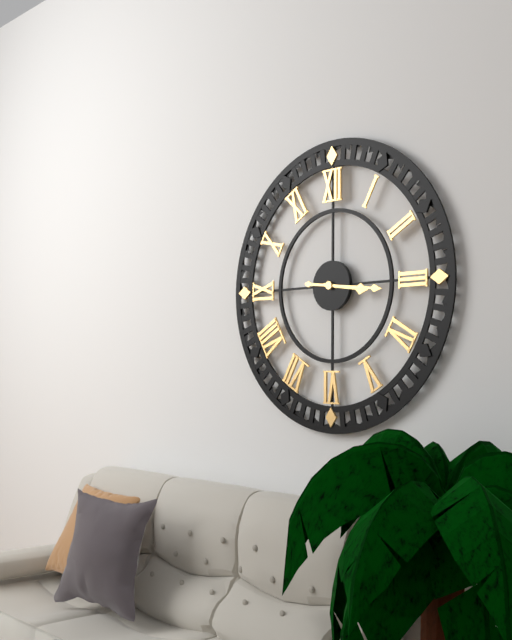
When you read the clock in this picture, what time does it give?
3:16
